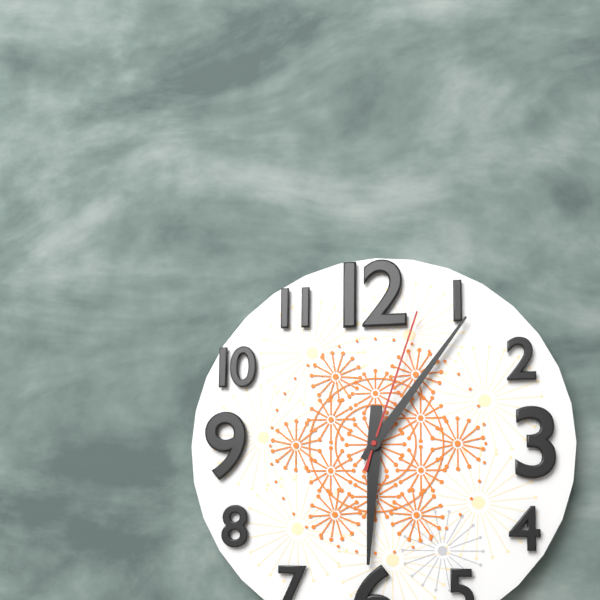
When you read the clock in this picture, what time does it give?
6:06:03
